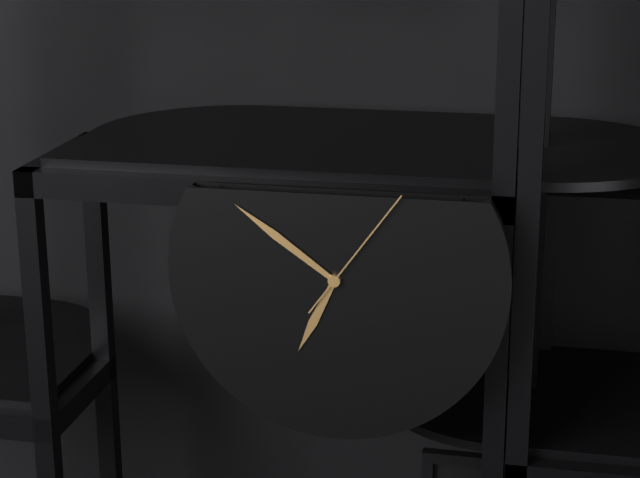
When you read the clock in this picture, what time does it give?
6:51:06
